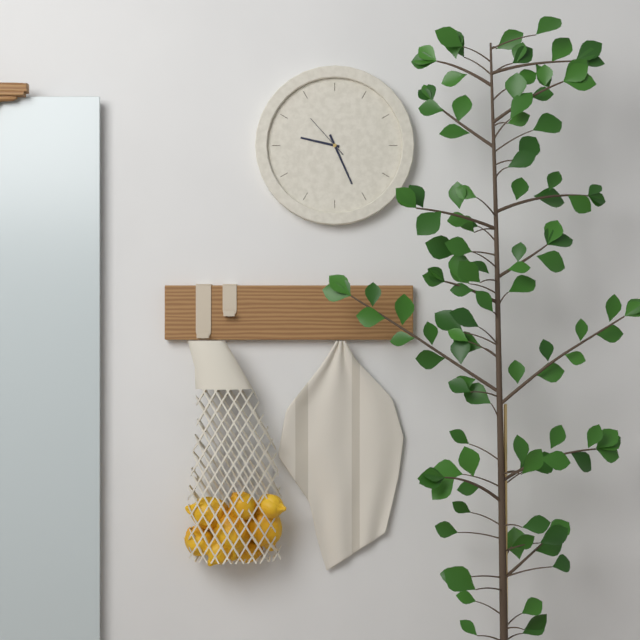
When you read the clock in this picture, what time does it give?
9:26
